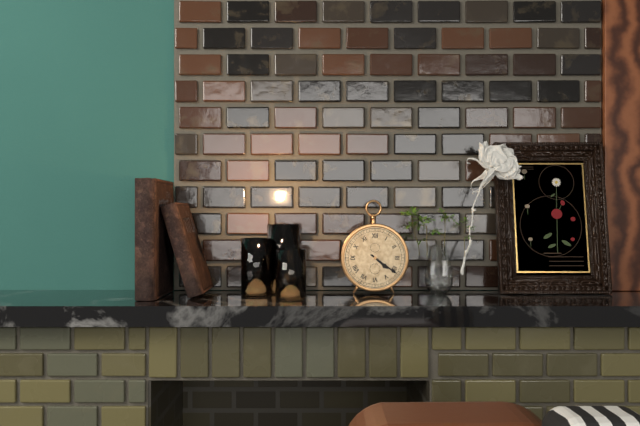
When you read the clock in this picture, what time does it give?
4:21
